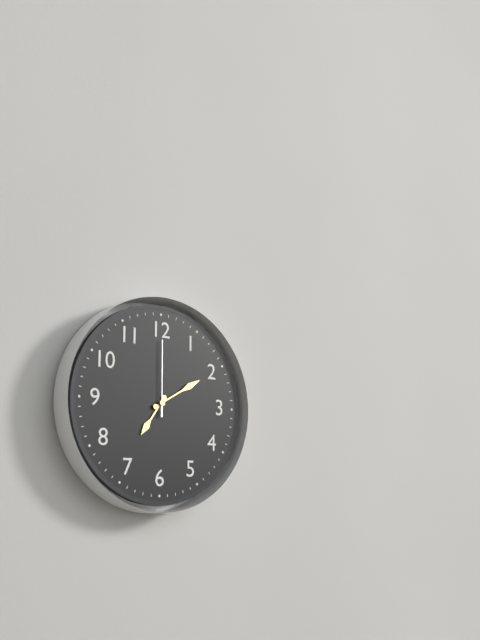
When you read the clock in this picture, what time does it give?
7:10:00
